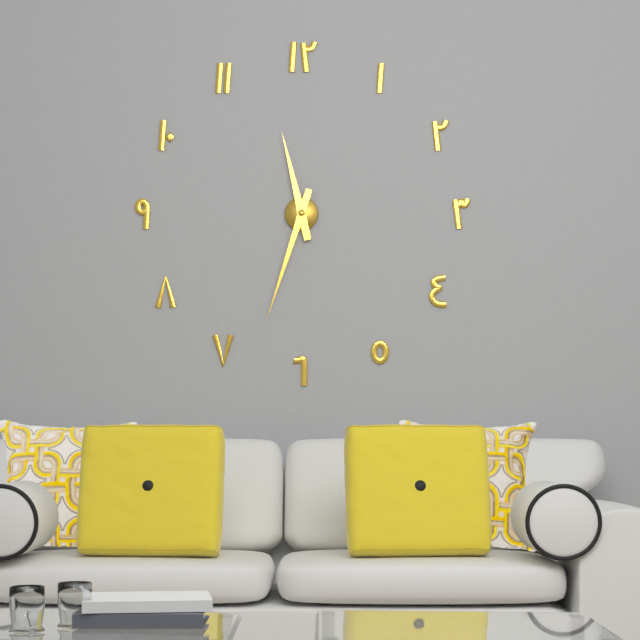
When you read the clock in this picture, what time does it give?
11:33
